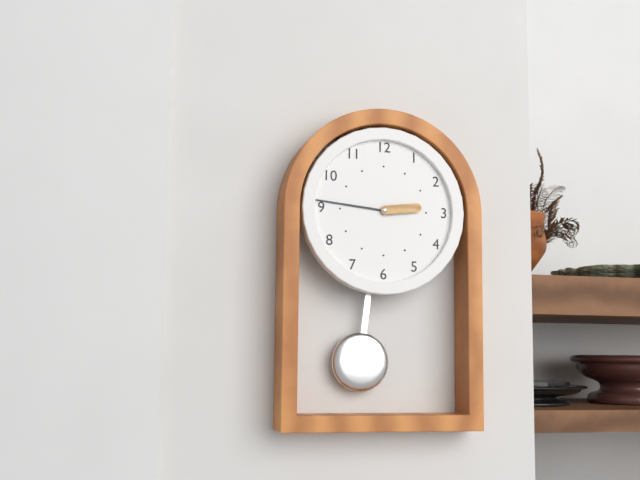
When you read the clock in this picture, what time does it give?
2:46
